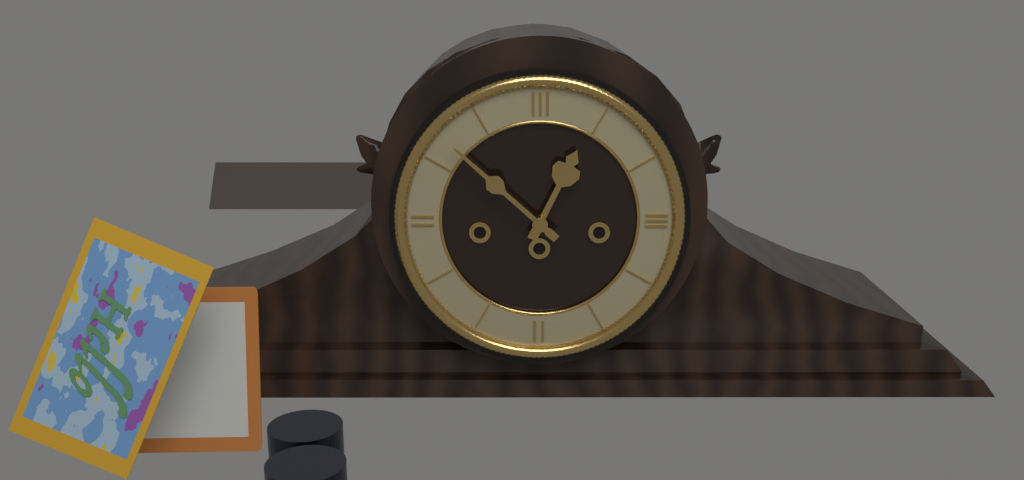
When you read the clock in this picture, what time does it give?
12:52
